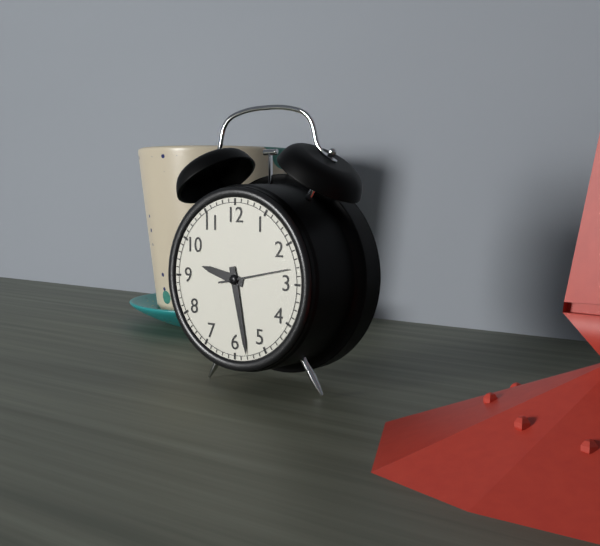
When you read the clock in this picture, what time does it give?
9:28:13
